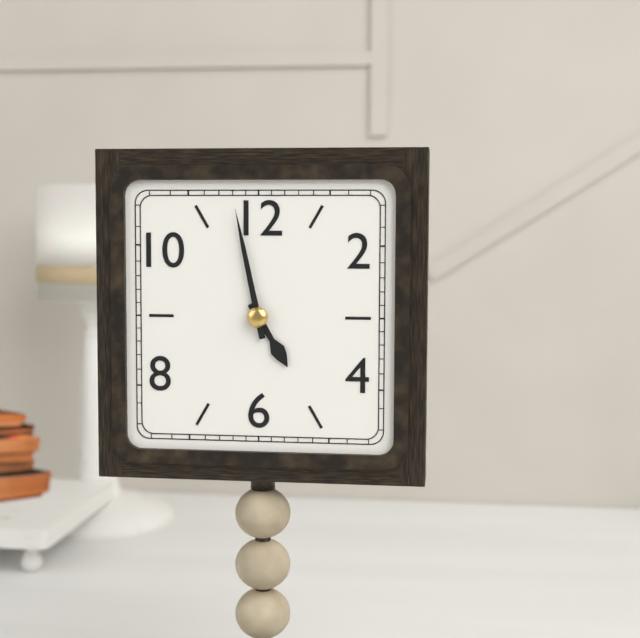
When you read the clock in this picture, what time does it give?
4:58
